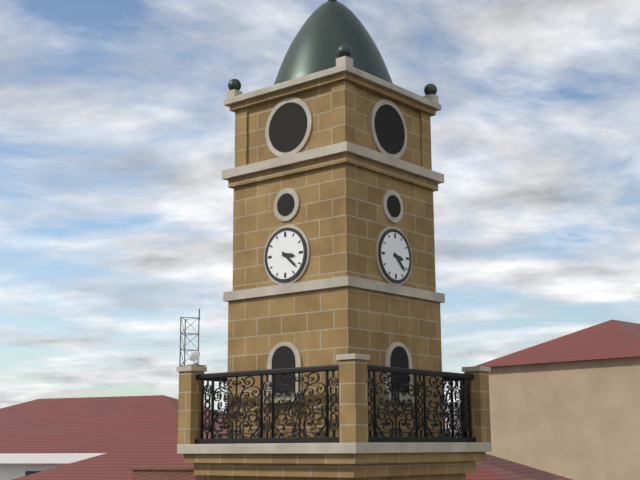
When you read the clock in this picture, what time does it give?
3:22
